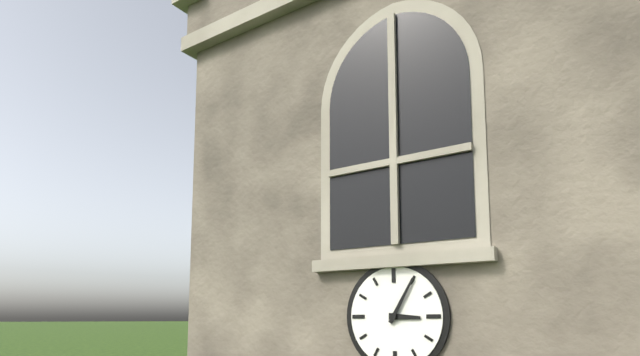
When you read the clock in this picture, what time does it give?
3:05
